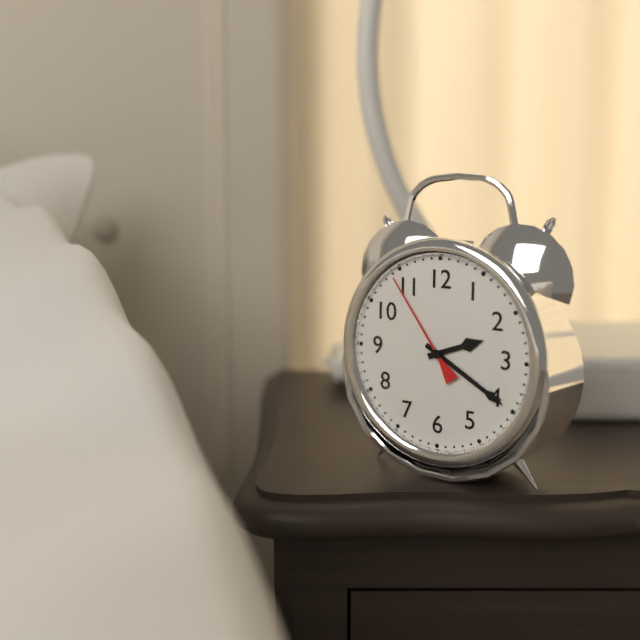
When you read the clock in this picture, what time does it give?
2:20:54
